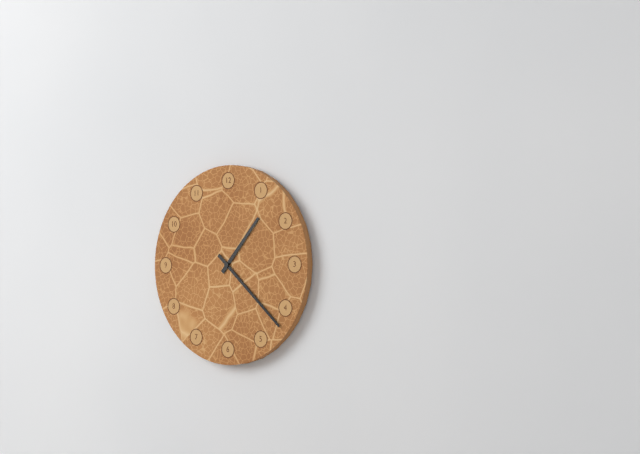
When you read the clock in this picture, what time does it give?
1:22
